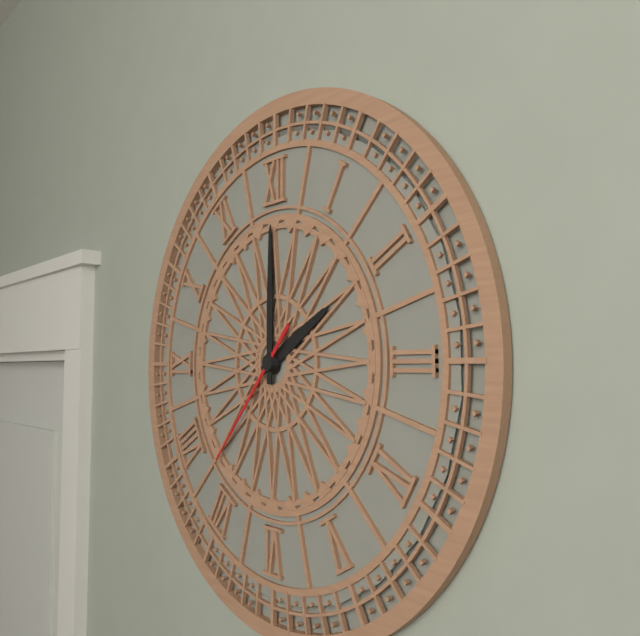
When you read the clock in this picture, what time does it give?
2:00:37
